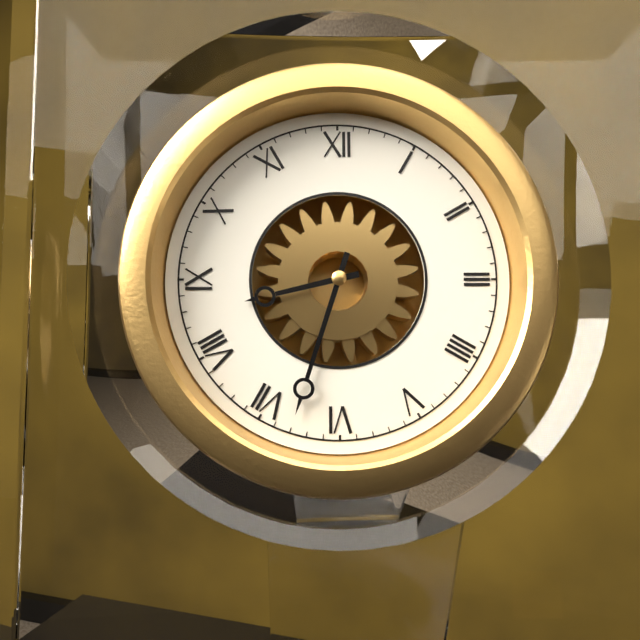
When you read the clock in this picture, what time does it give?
8:33
